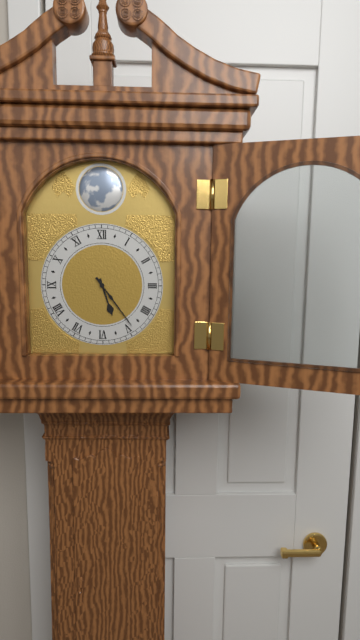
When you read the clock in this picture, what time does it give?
5:24
